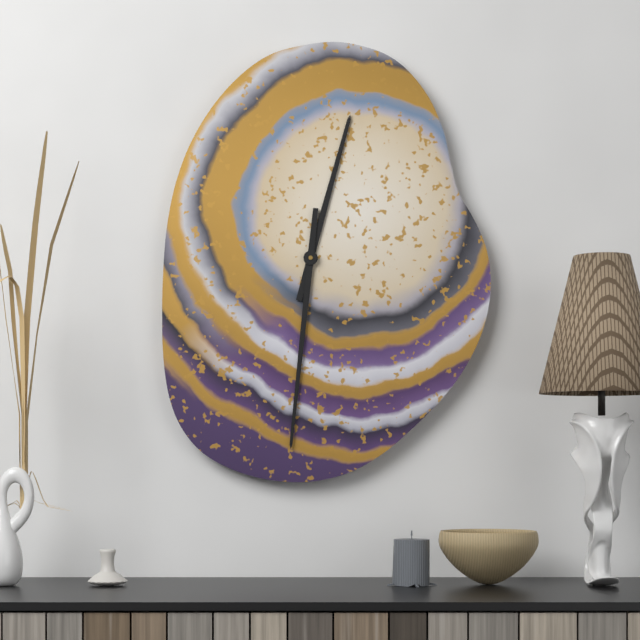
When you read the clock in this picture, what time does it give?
12:31
